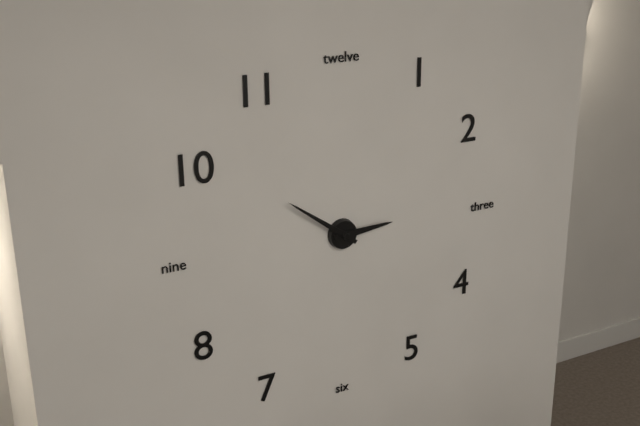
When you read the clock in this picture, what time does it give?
2:51
